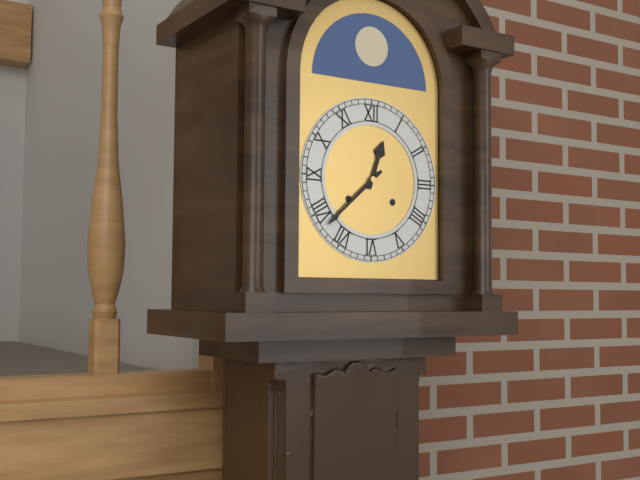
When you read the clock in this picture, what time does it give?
12:38
